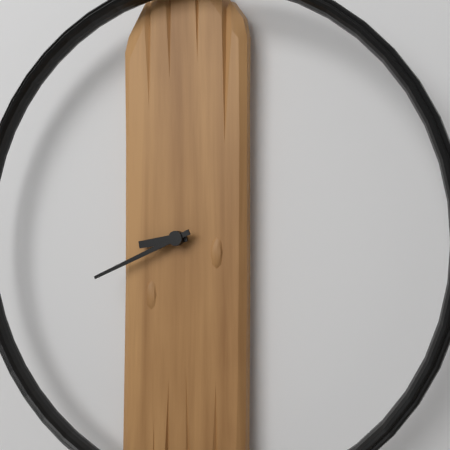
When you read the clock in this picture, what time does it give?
8:41
